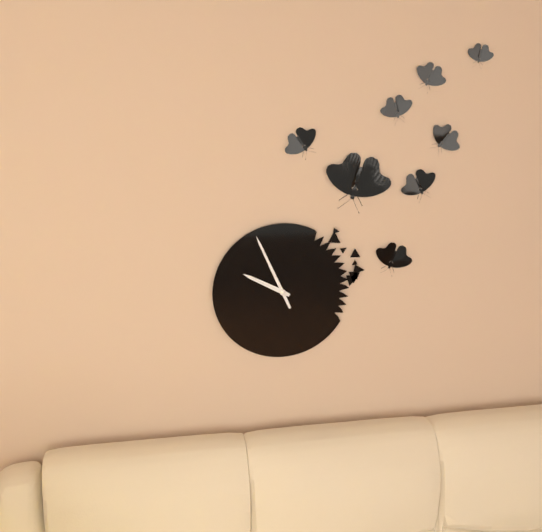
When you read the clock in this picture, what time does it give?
9:56
